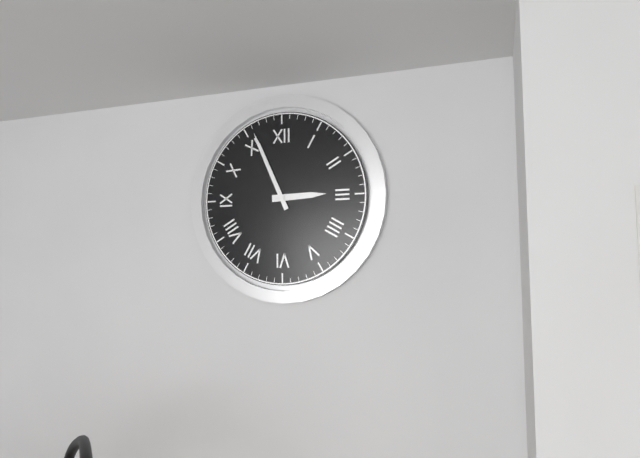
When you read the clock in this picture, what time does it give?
2:56
